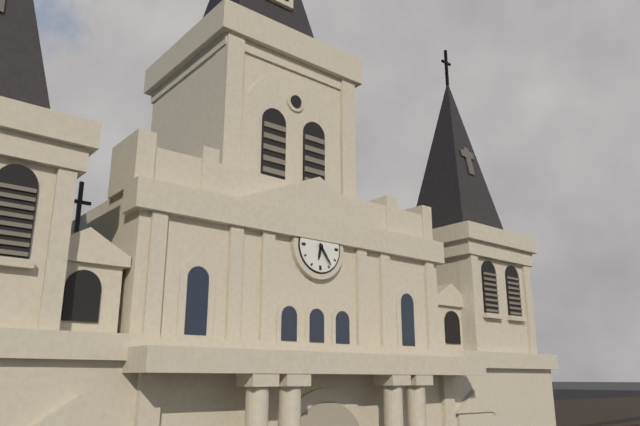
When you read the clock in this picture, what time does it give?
6:24
